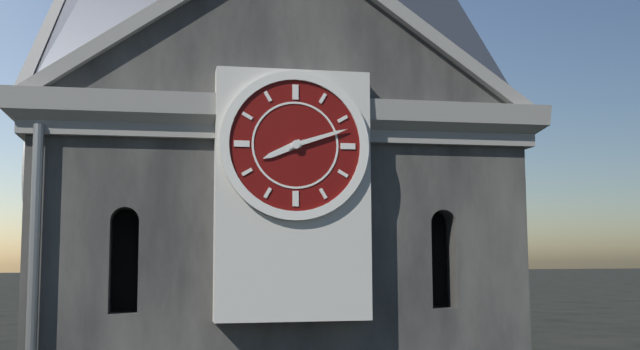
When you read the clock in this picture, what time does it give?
8:12
